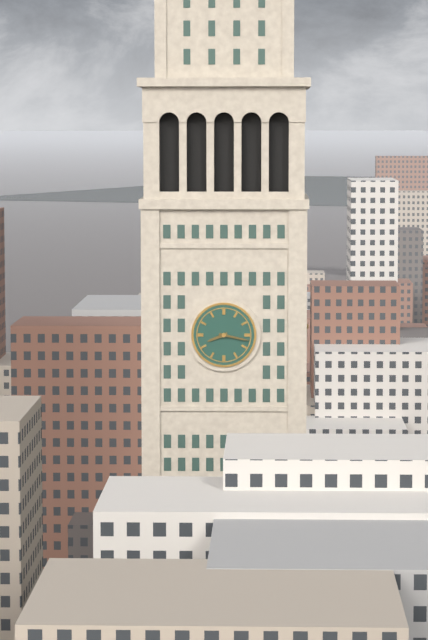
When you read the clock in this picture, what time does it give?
8:17
